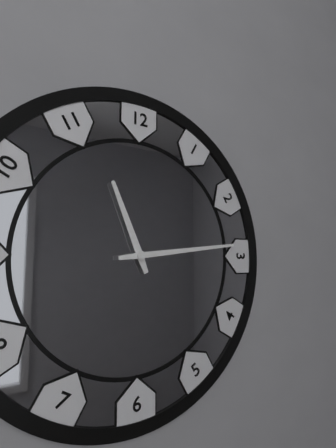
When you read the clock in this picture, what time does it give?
11:14
